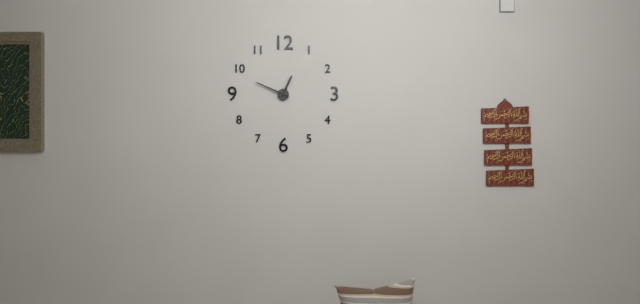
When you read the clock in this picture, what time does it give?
12:49
